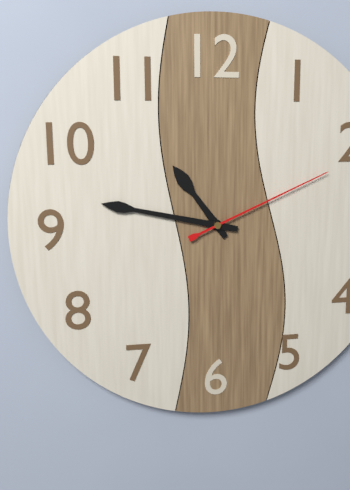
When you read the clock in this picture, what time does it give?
10:47:11
